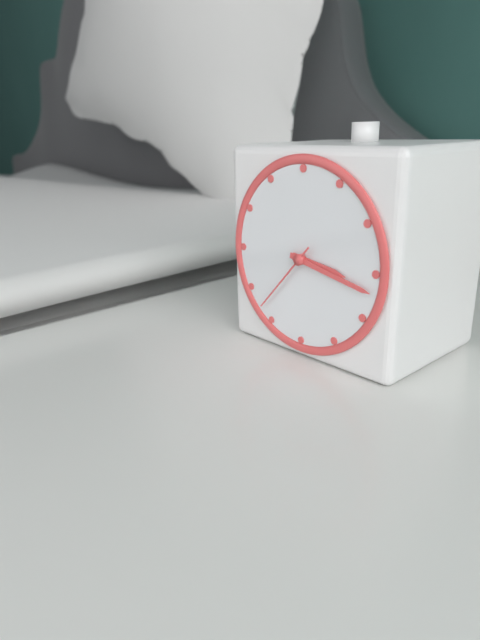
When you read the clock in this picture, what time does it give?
3:17:37
